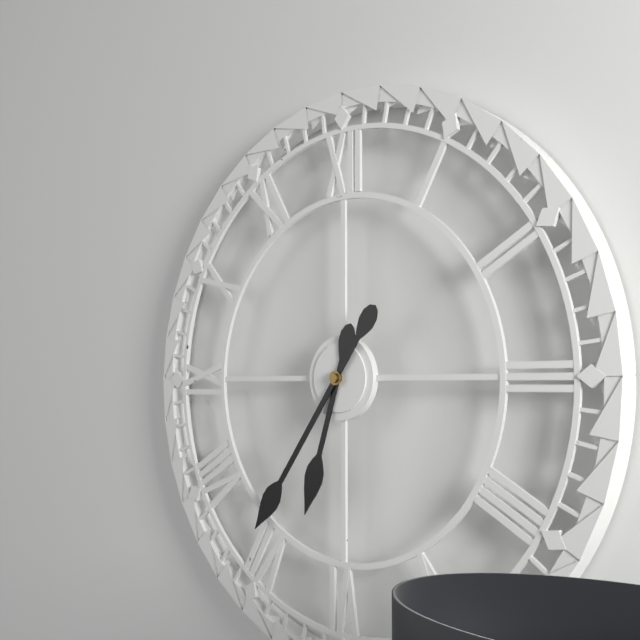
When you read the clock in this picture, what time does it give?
6:36
